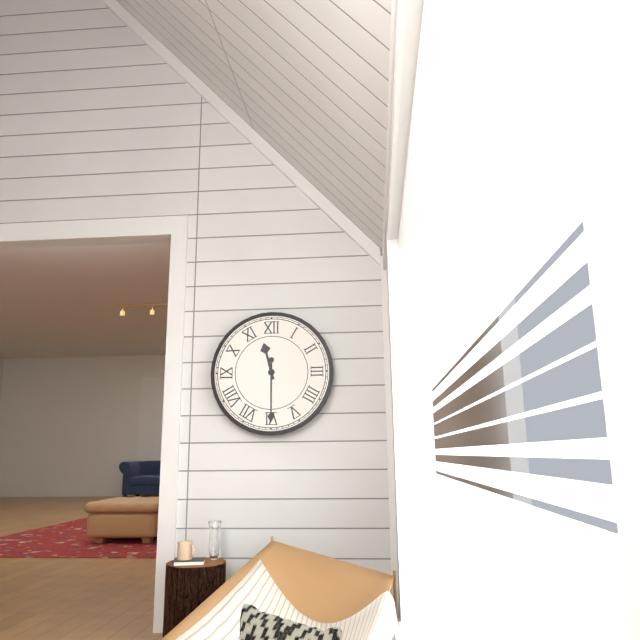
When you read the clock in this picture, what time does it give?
11:30
